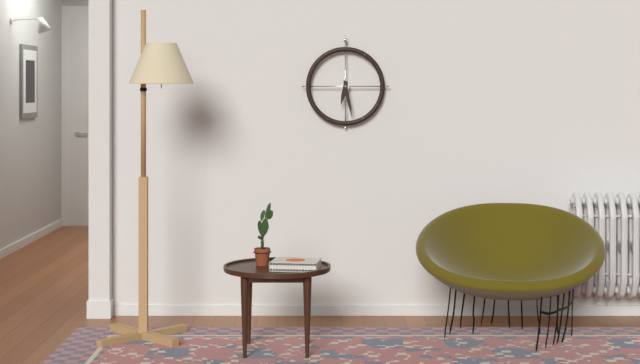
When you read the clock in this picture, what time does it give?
6:28
